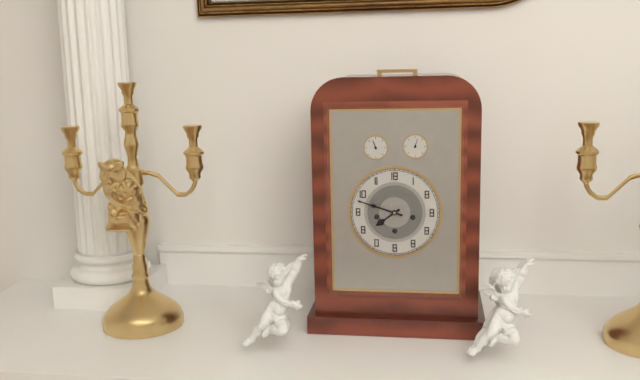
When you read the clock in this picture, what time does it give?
7:48
